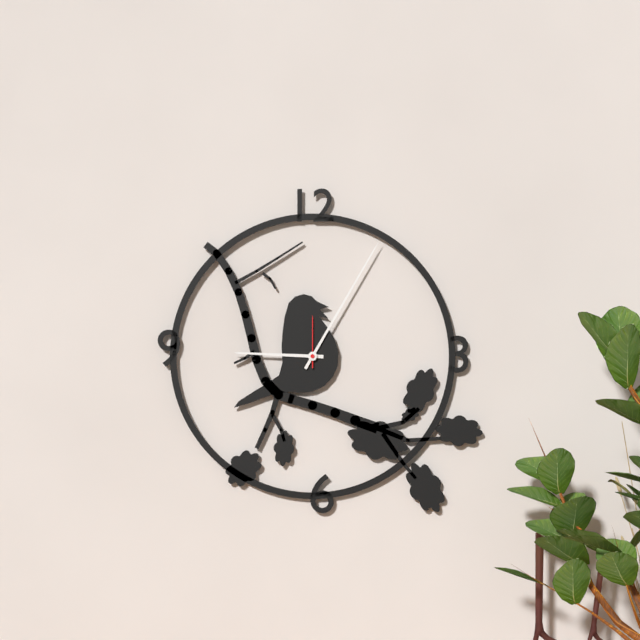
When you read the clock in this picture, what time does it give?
9:05:00
